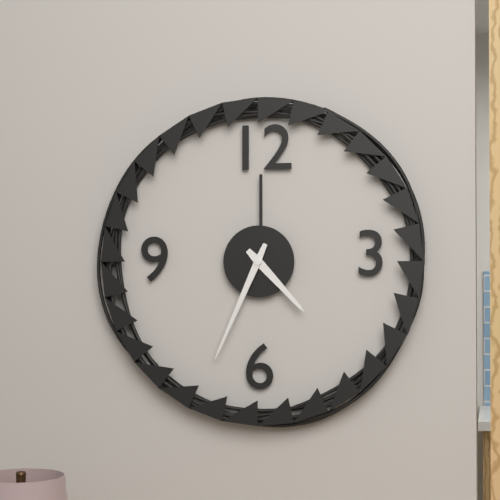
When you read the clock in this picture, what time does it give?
4:34
